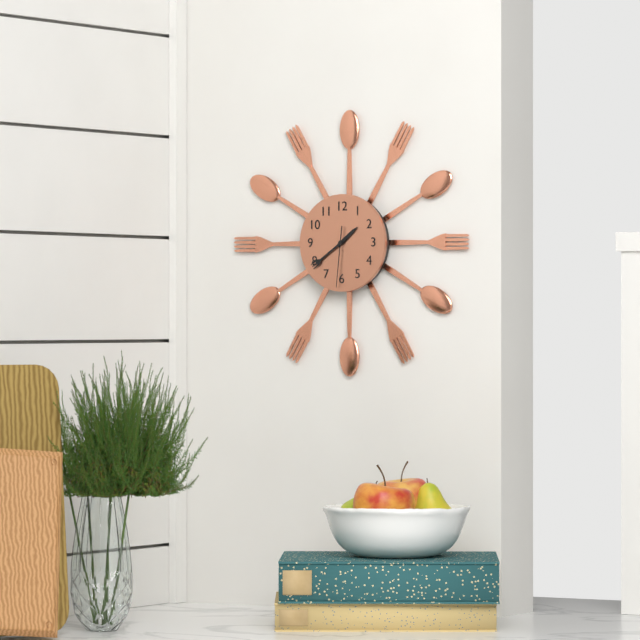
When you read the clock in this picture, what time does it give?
1:39:31
